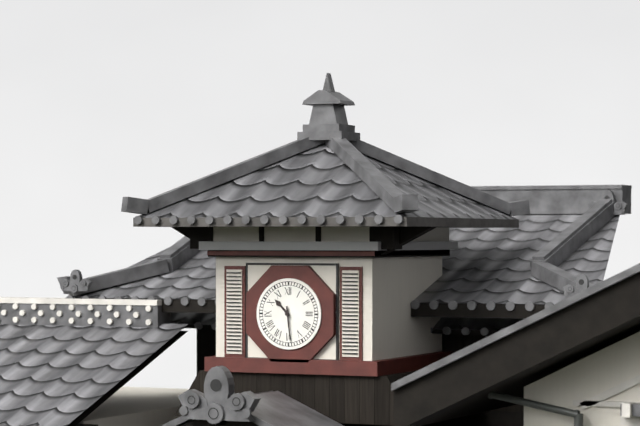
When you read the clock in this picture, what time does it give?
10:29
